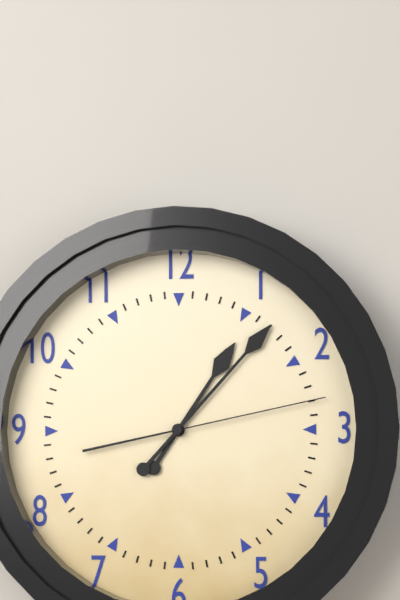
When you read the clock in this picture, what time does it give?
1:07:13
